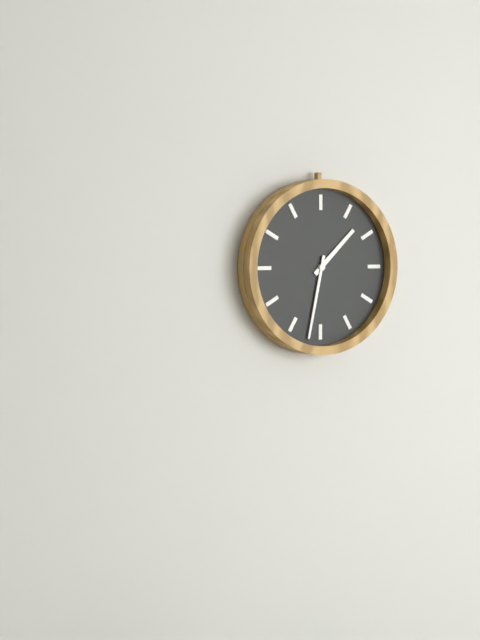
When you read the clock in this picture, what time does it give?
1:32
